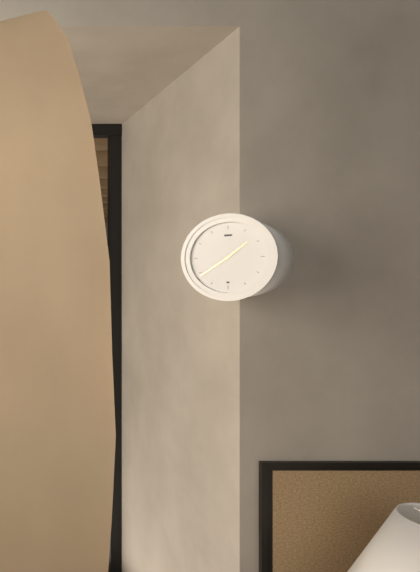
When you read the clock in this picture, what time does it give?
1:39
